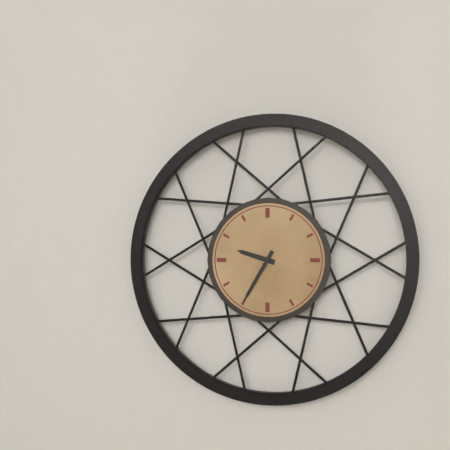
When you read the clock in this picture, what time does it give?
9:35
